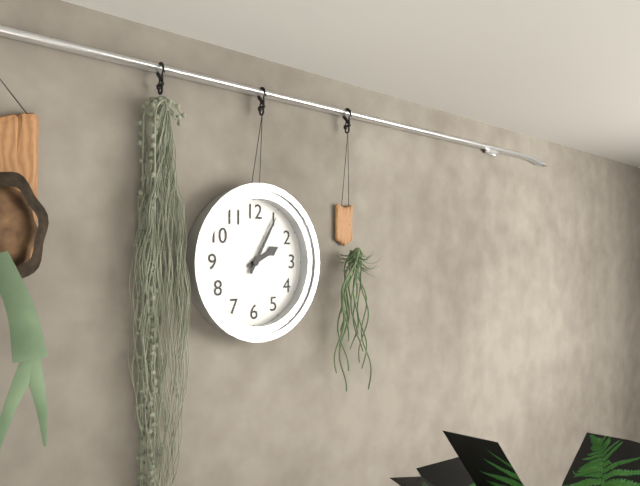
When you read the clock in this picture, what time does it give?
2:05
